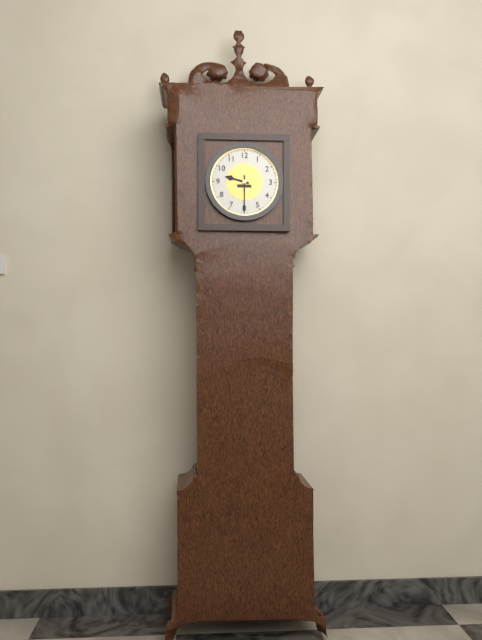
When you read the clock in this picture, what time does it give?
9:30
